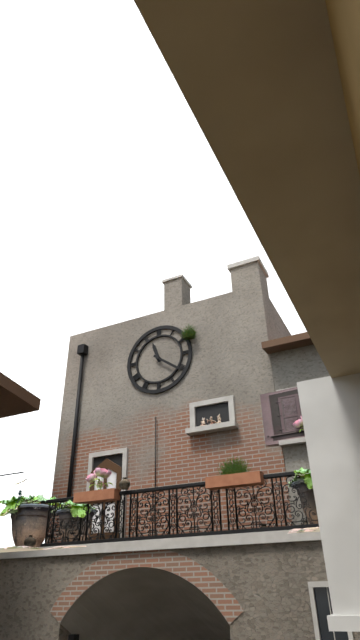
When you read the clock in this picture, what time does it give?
11:21
